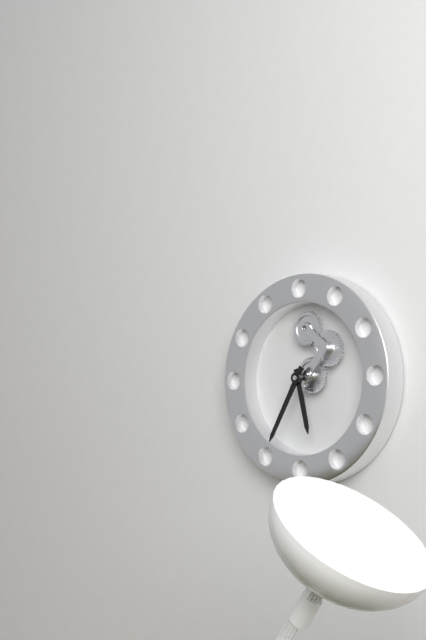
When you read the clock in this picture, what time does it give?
5:35
